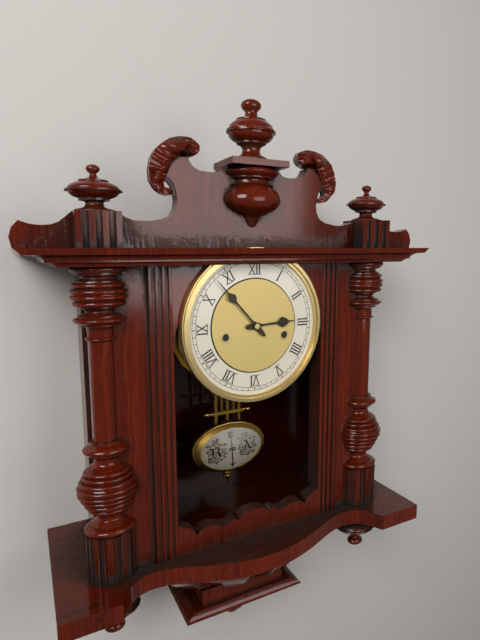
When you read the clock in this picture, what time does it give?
2:53
